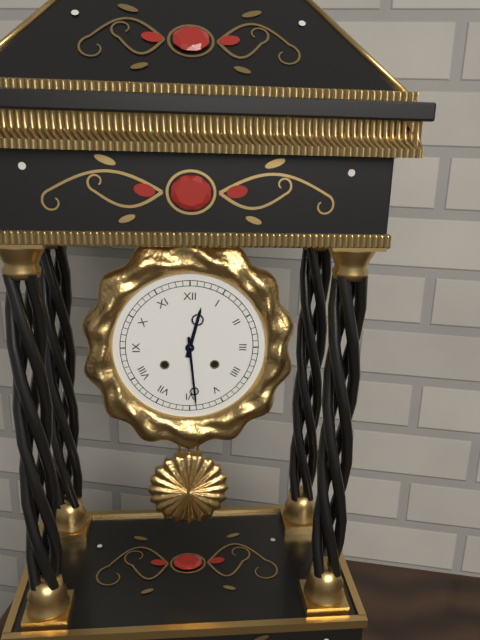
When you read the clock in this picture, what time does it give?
12:29
